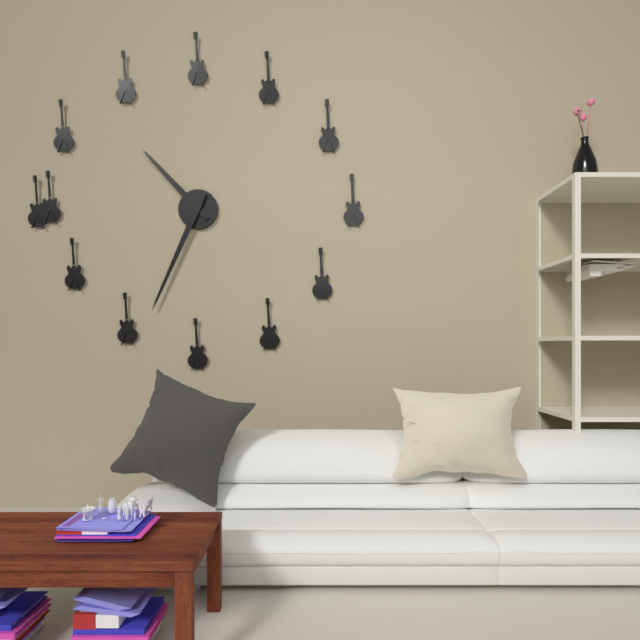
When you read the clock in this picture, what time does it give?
10:34
